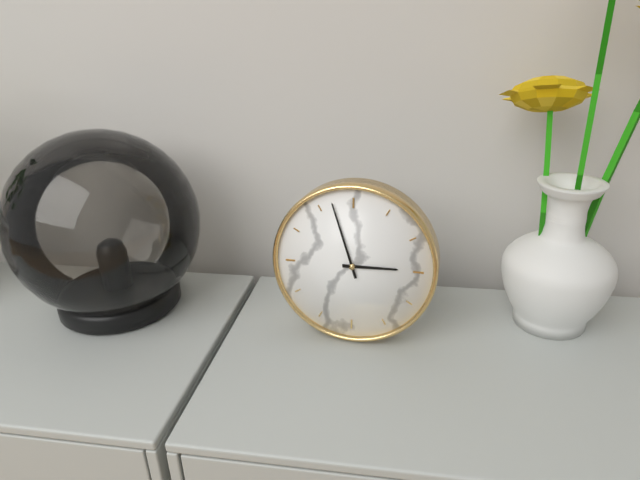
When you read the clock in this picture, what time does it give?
2:57
